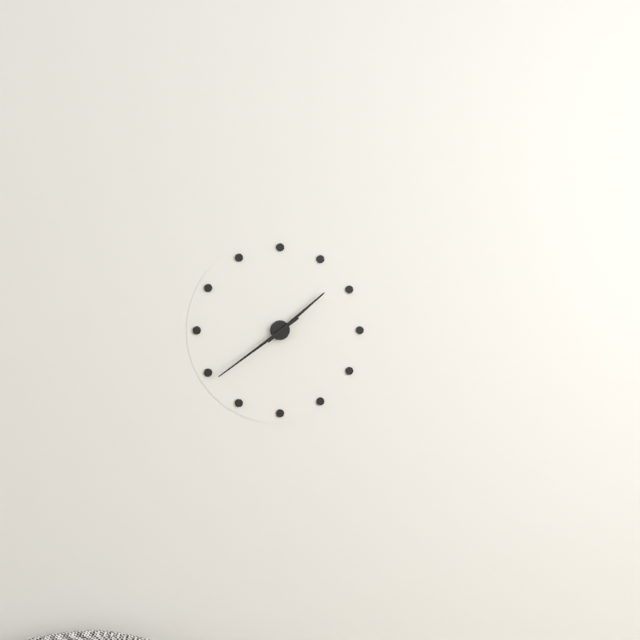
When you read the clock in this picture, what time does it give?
1:39
